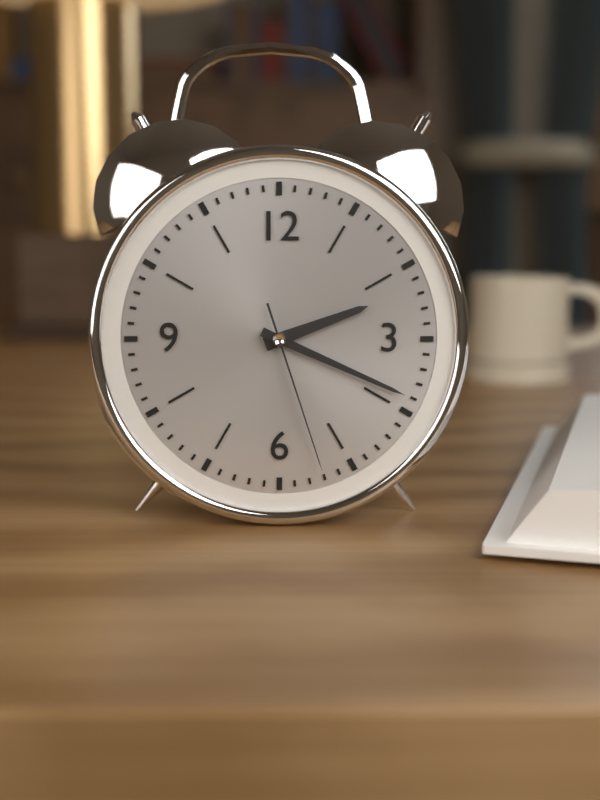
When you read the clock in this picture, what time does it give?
2:19:27
